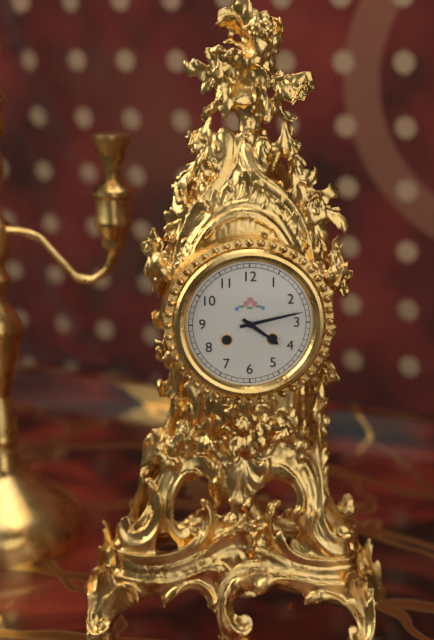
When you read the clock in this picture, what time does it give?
4:13
